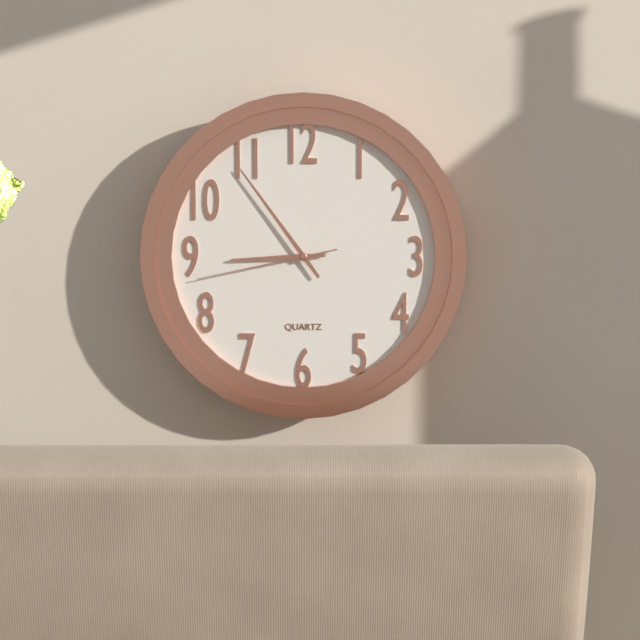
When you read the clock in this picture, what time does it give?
8:54:43
